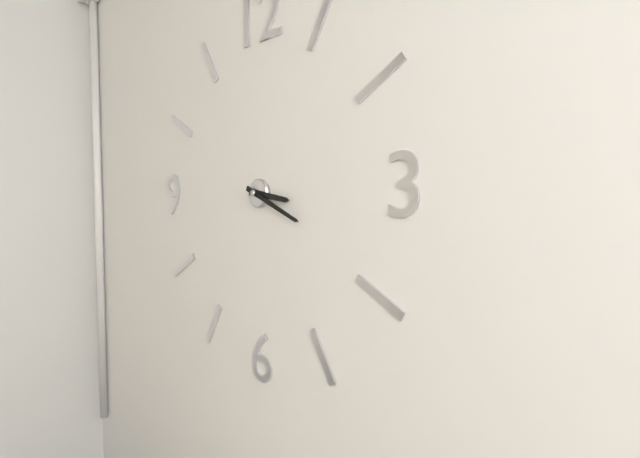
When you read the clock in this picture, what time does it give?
3:19
